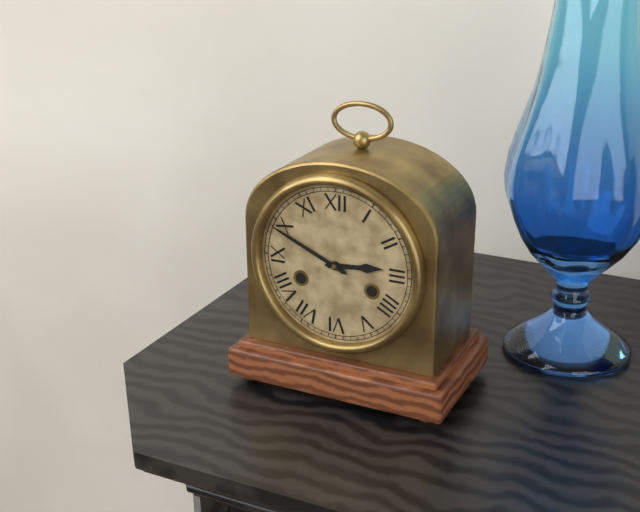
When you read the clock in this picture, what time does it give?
2:49
